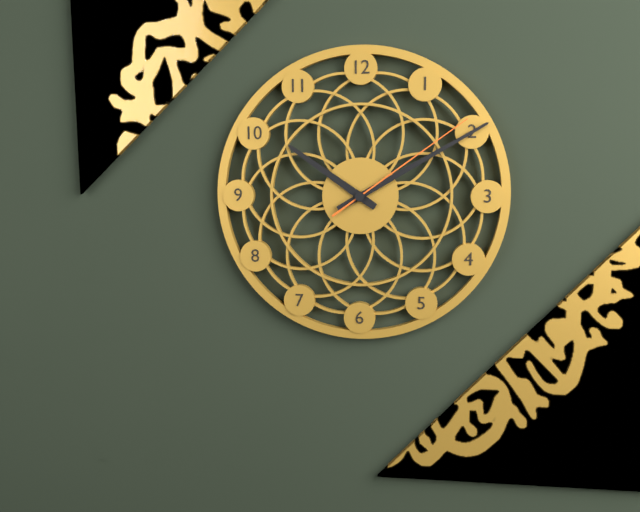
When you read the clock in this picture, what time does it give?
10:10:09
